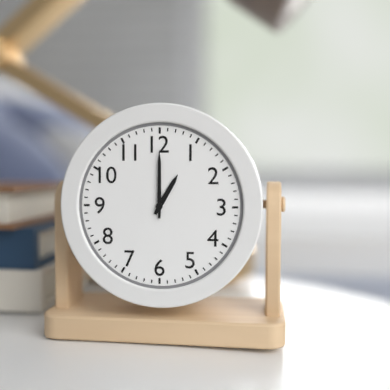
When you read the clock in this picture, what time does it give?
1:00
